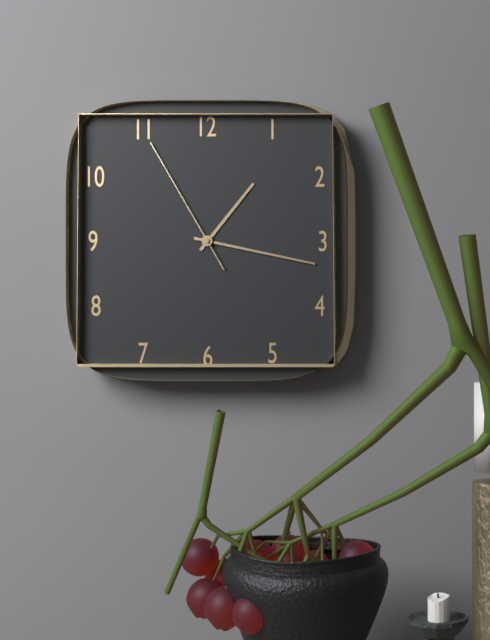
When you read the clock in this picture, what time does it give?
1:17:55
